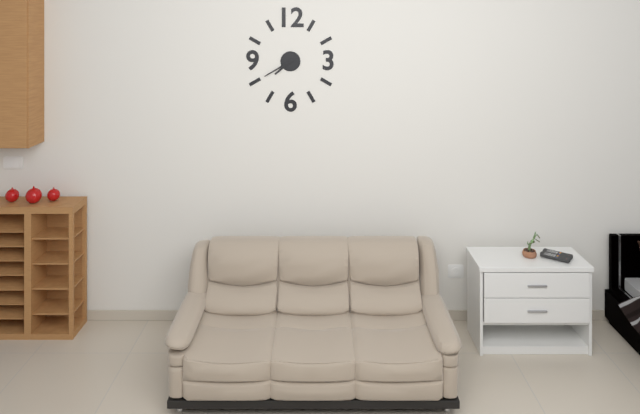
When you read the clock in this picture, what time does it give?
7:40
